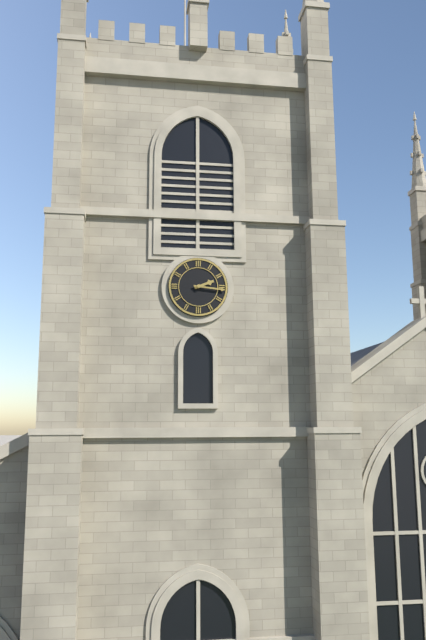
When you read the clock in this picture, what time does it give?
2:16
